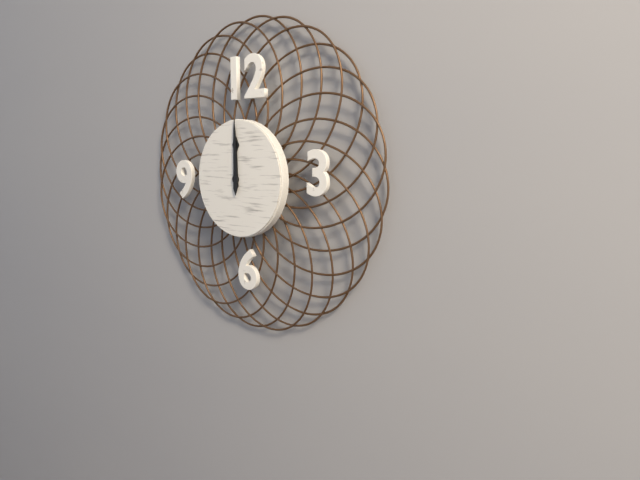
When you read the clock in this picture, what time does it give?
12:00
